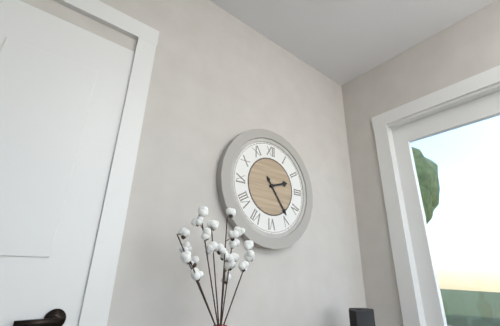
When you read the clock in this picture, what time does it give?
2:24
